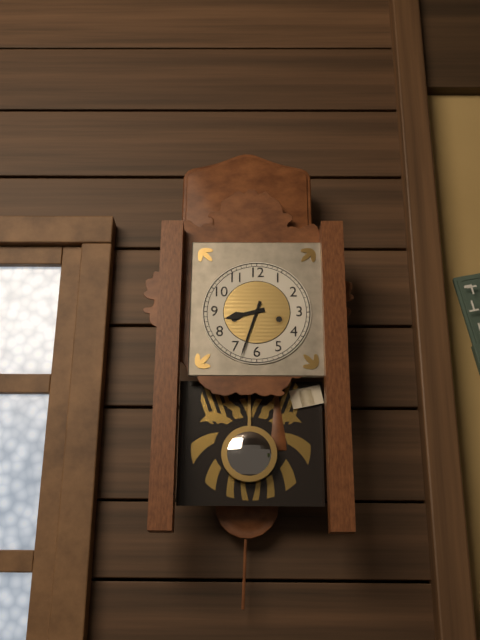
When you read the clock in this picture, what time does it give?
8:33
